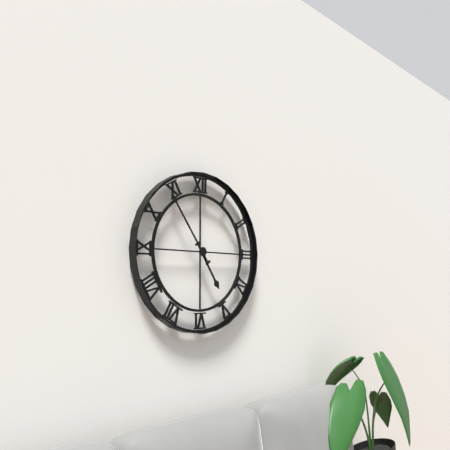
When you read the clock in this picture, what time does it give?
4:54
